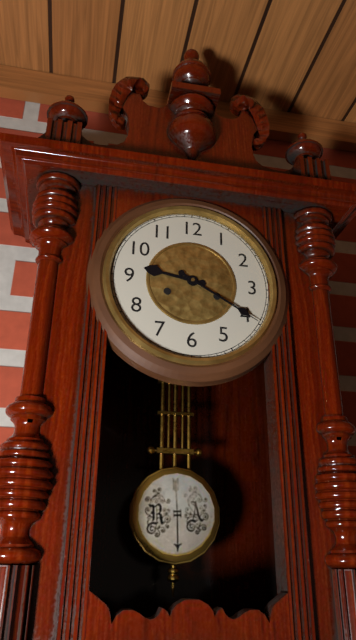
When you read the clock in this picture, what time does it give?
9:20
